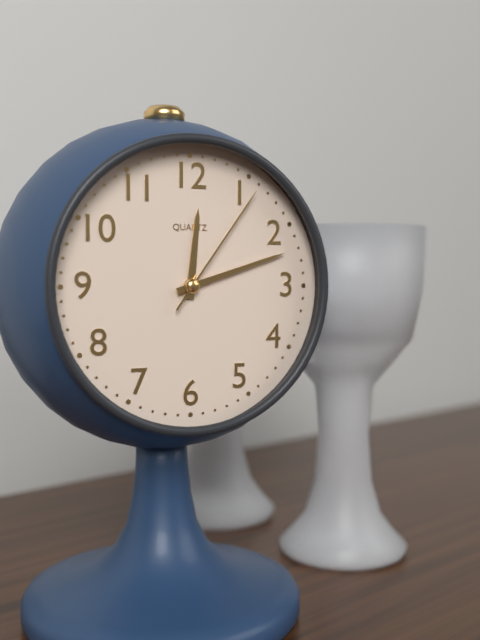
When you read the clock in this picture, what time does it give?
12:12:06
